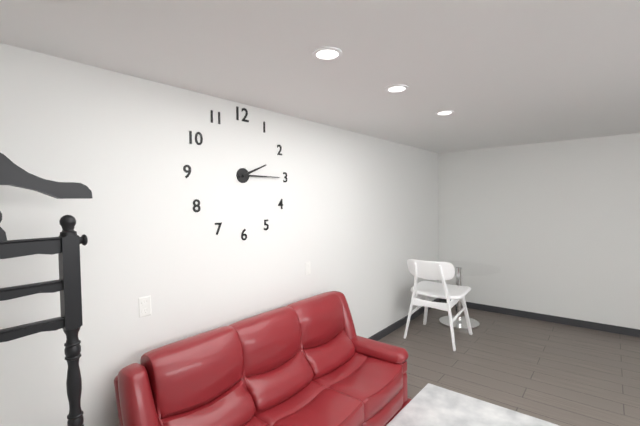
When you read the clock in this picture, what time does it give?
2:15
